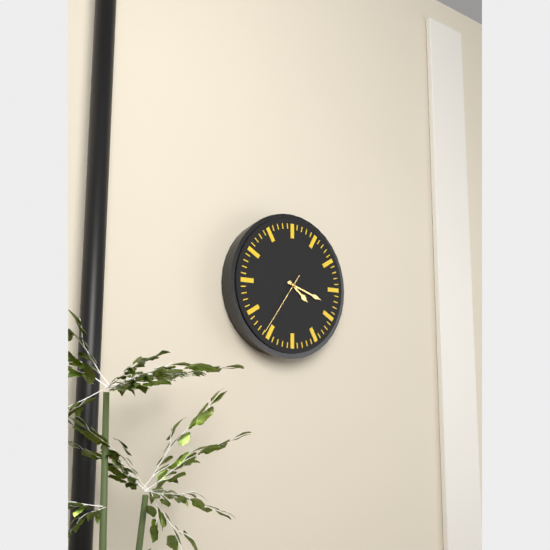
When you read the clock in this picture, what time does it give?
4:18:36
